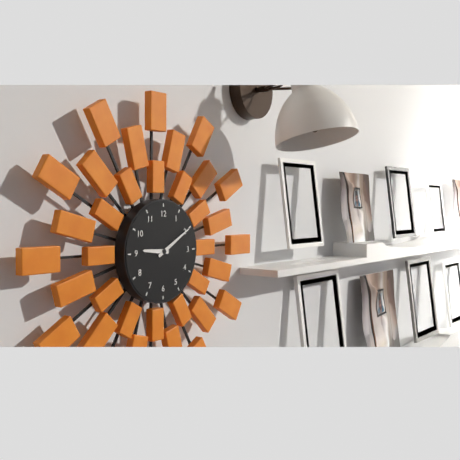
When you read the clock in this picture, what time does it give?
9:10
